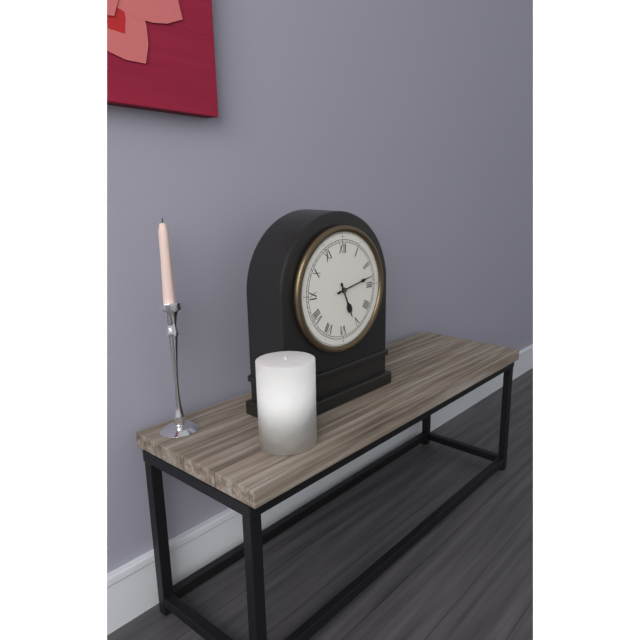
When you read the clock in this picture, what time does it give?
5:13
